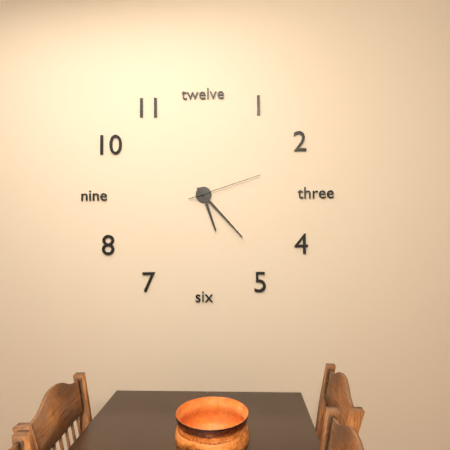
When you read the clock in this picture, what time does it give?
5:23:12
